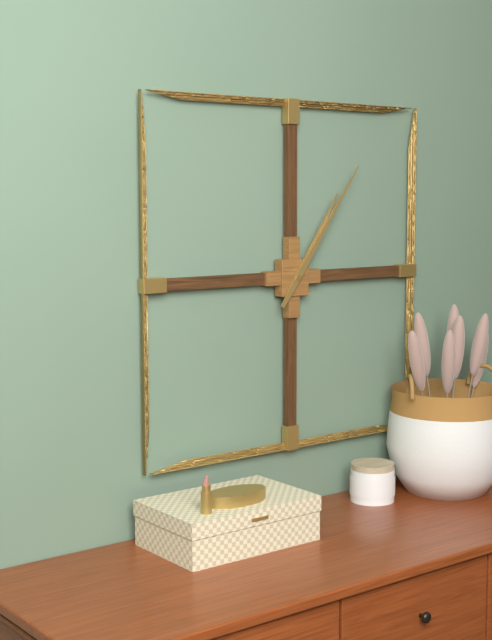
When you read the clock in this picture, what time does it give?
1:06
